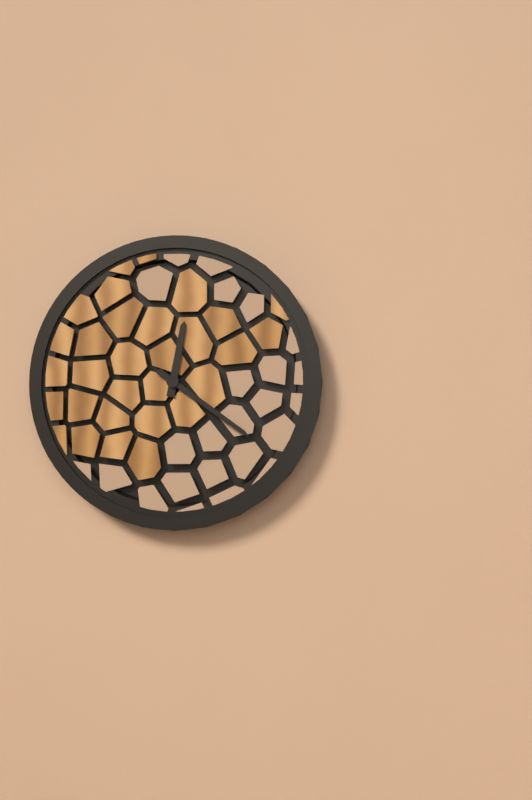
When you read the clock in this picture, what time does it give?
12:21
